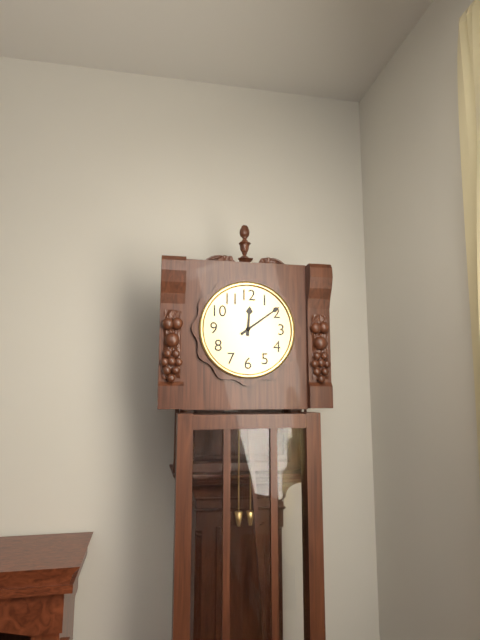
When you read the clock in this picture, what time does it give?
12:09
